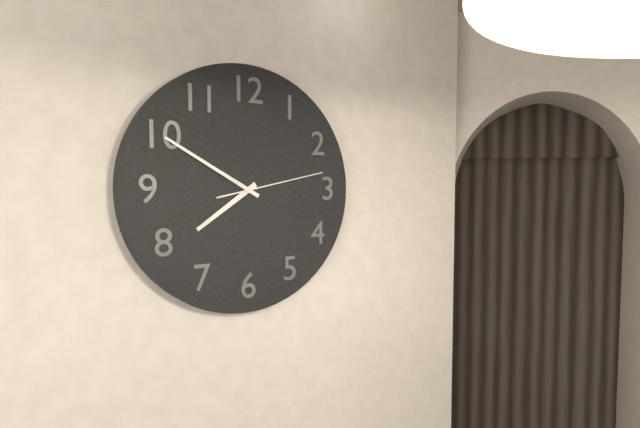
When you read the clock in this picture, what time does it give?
7:50:13
